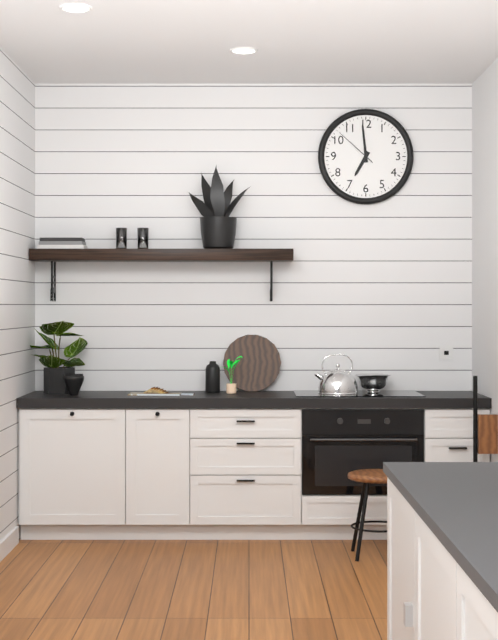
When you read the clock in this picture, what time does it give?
6:59
